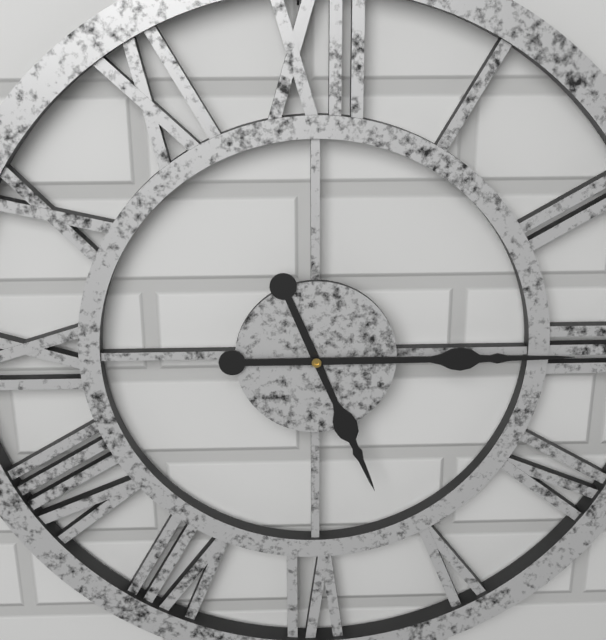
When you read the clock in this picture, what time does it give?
5:15
